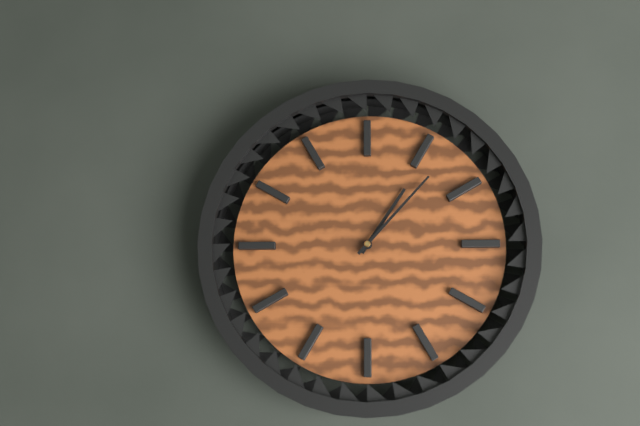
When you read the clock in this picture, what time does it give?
1:07
